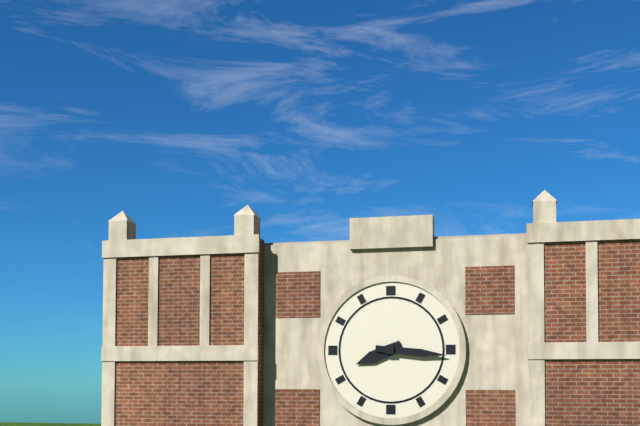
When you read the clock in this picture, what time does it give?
8:16
